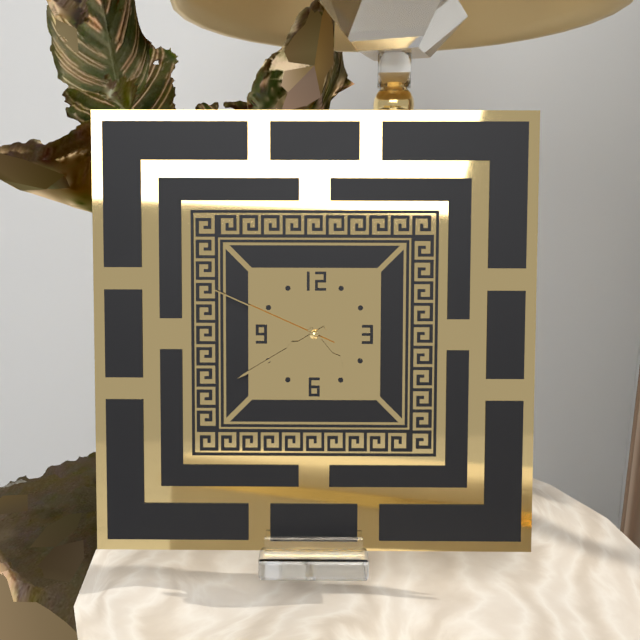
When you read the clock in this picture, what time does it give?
4:40:49
